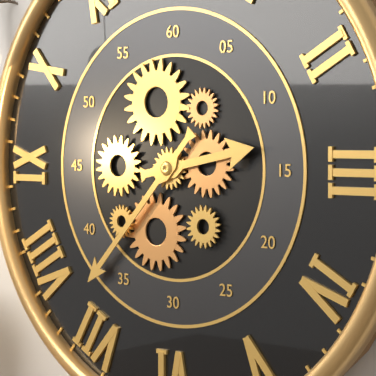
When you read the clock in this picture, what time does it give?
2:37
